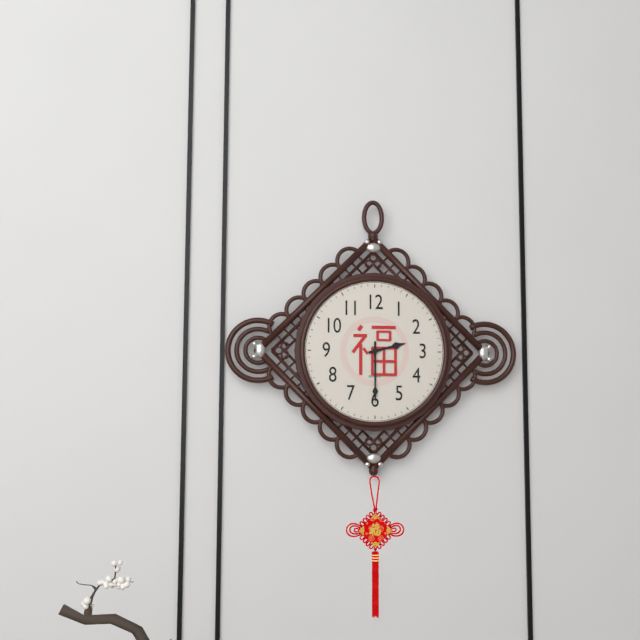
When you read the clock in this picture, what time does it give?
2:30
